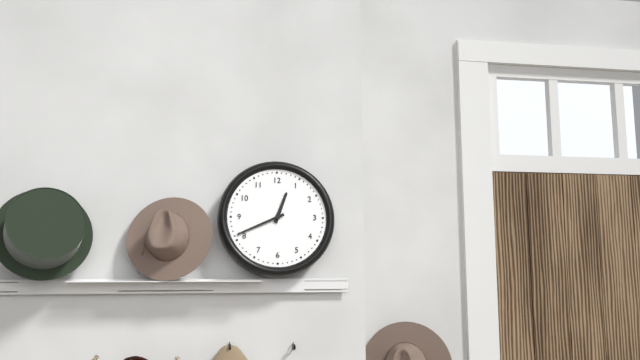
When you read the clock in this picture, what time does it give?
12:41
